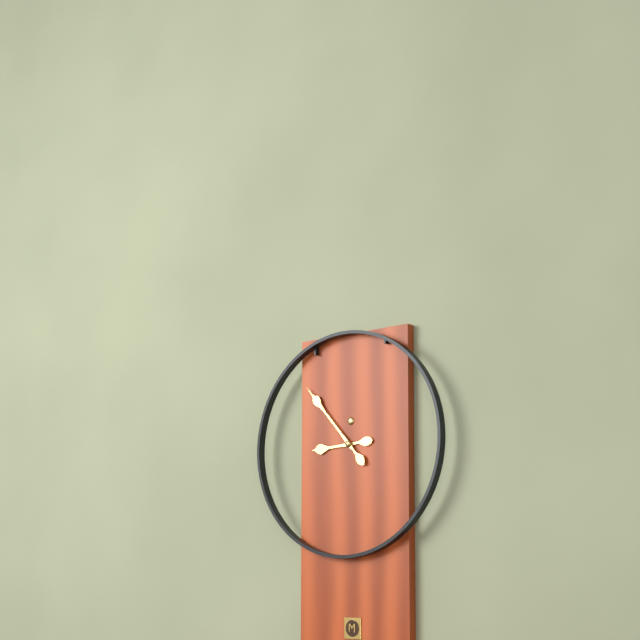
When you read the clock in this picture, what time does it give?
8:53
